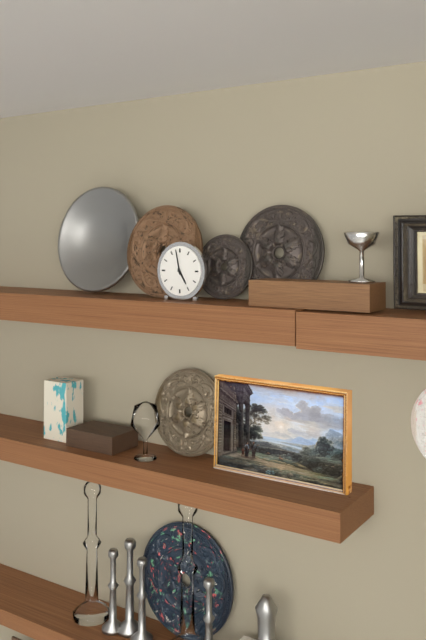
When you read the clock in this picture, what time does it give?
4:58
